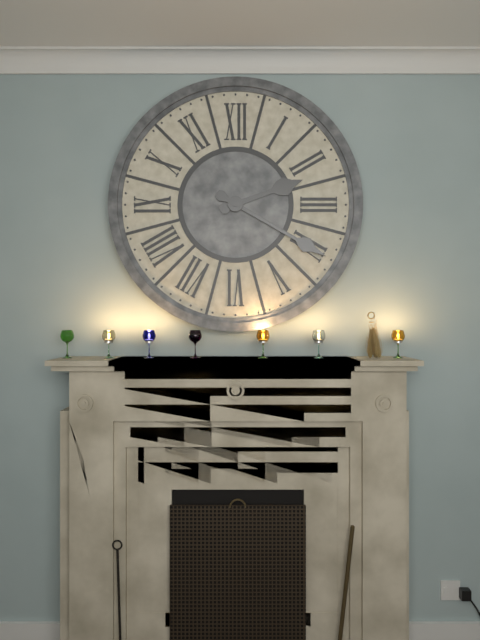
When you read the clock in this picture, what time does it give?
2:20
